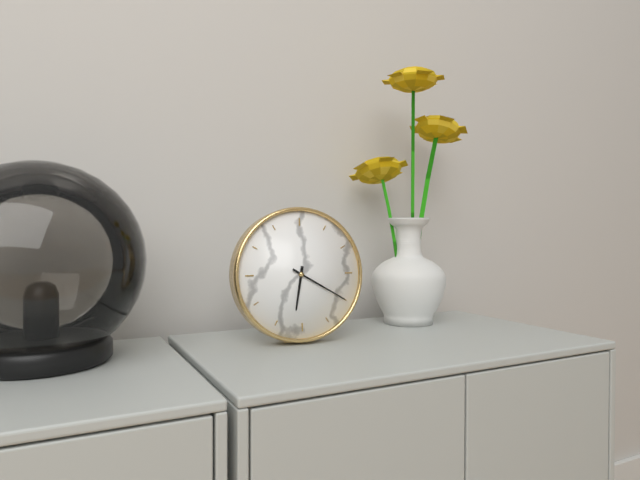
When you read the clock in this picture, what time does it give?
6:20
